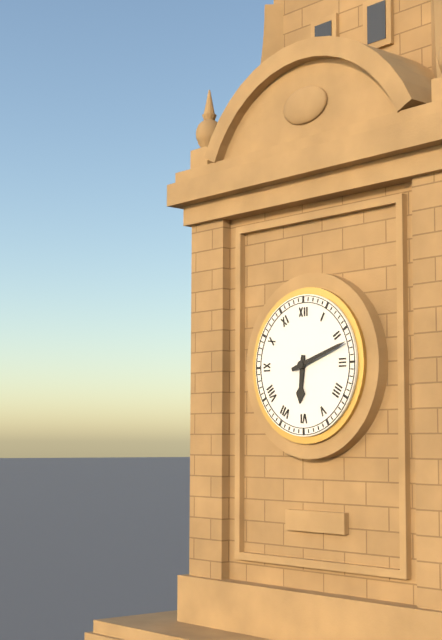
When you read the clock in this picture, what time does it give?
6:12
